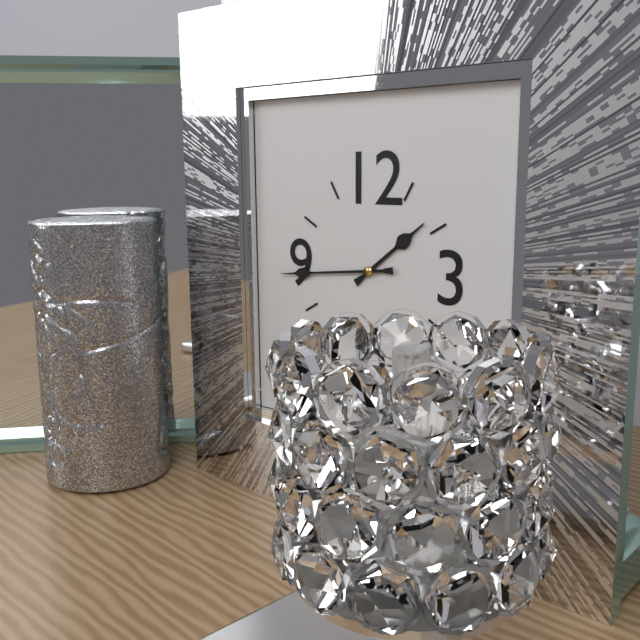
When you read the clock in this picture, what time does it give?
1:44
